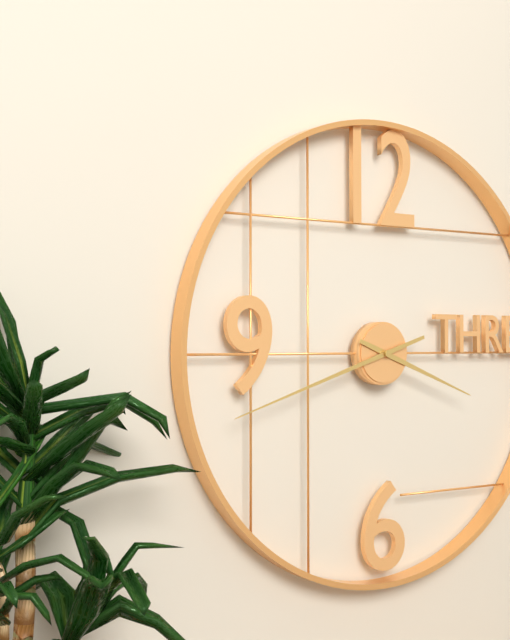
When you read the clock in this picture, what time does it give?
3:42
